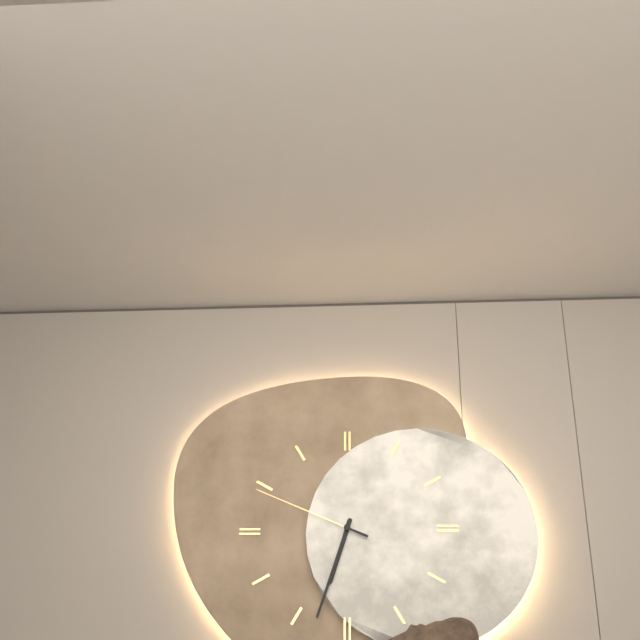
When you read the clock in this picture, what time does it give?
6:33:49
